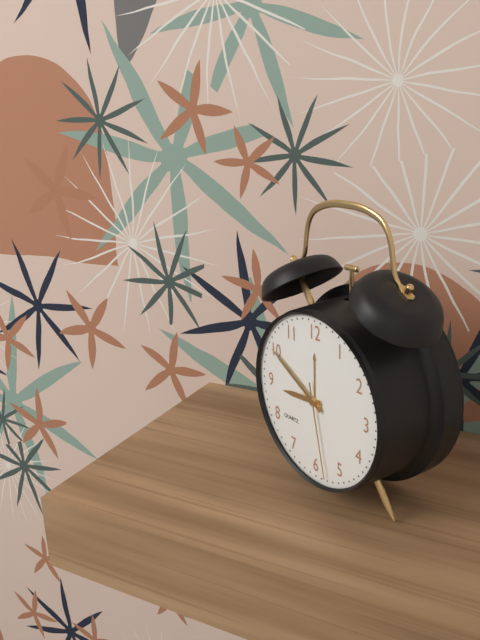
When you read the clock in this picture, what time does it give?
8:50:28
